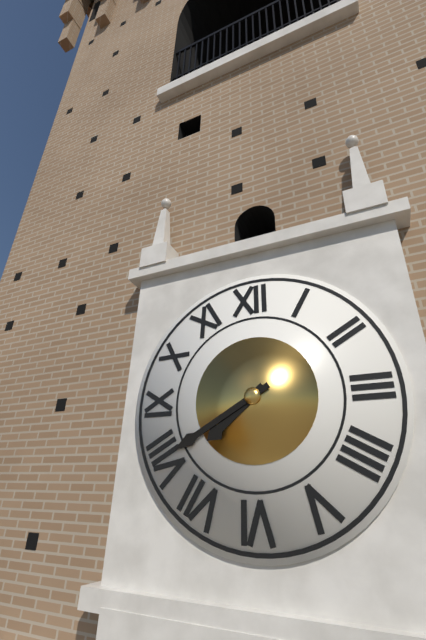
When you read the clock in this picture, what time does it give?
7:40
